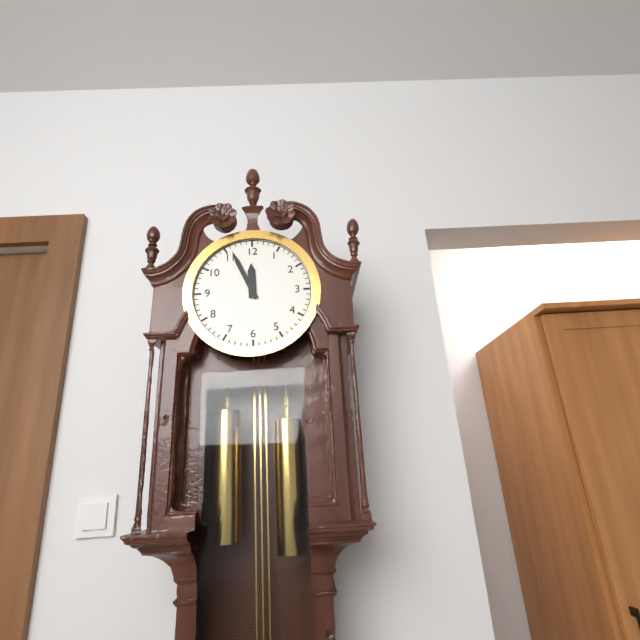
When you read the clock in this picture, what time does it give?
11:56
